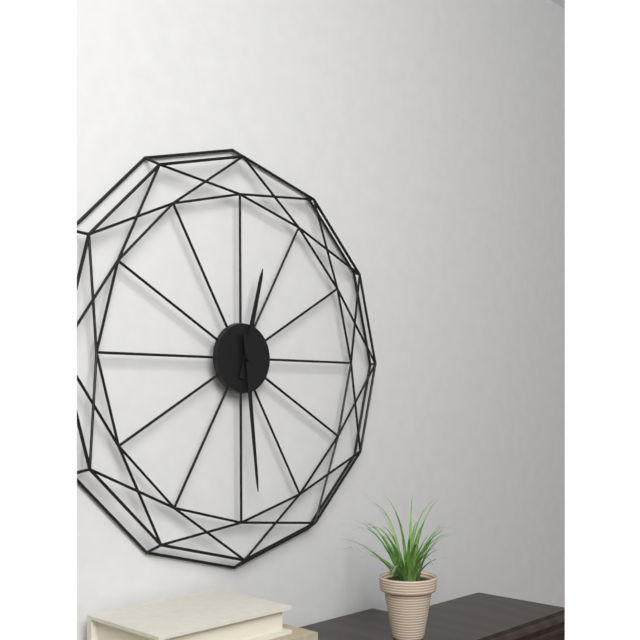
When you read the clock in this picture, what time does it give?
12:29
